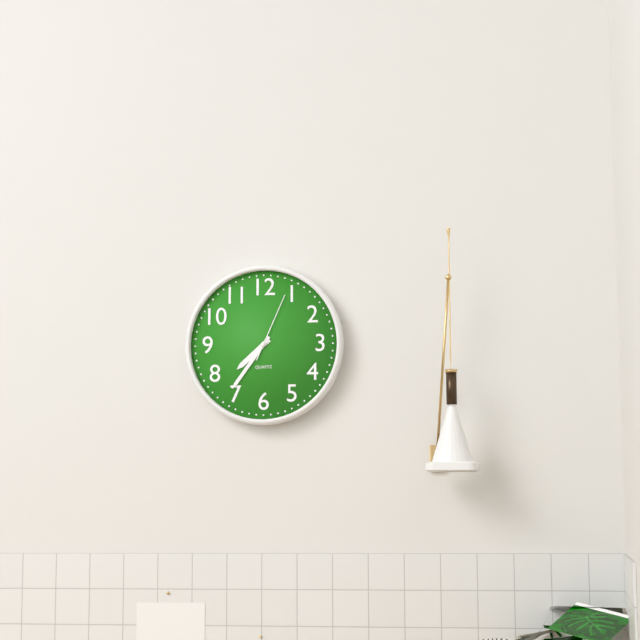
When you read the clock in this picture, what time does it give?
7:36:04
